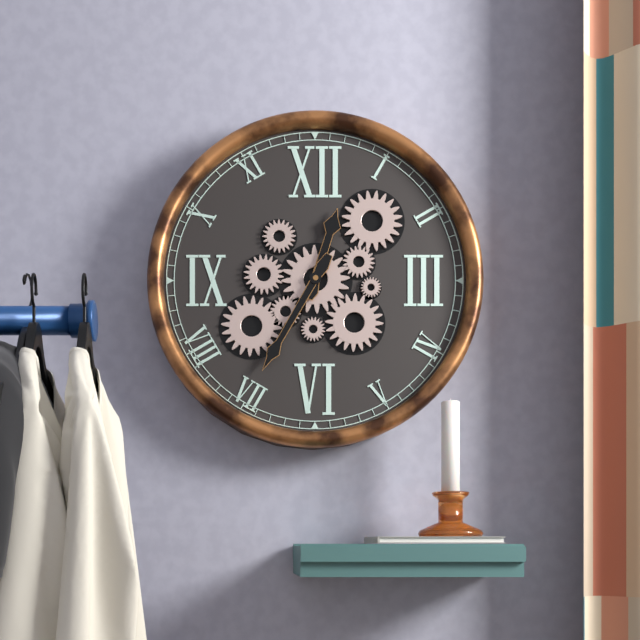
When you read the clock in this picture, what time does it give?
12:35
